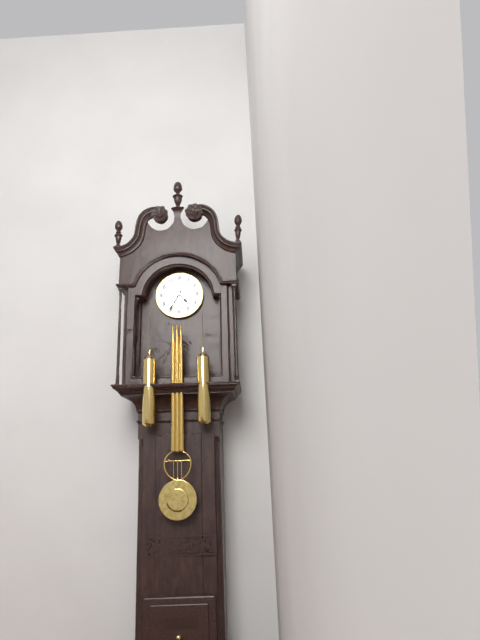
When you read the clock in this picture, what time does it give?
4:35
